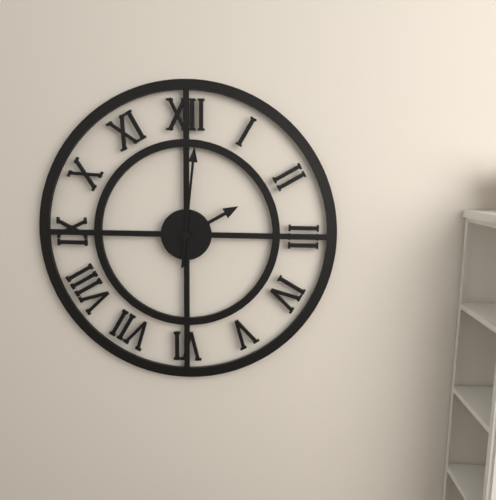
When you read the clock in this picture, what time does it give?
2:01
